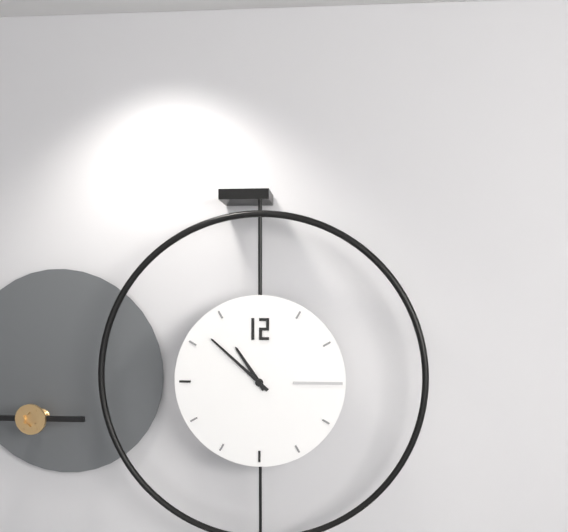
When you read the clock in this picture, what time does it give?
10:52
